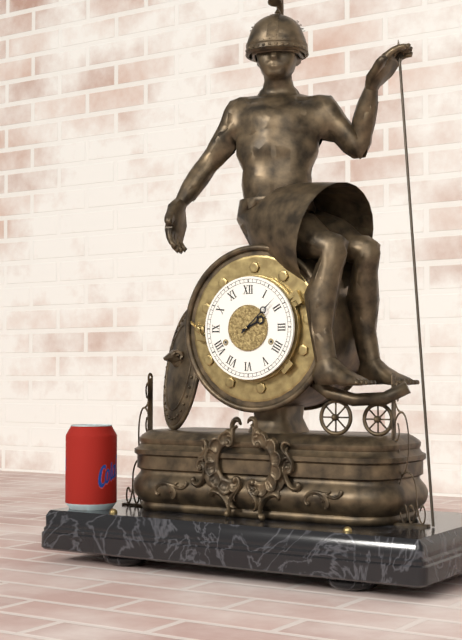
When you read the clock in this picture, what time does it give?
2:08
